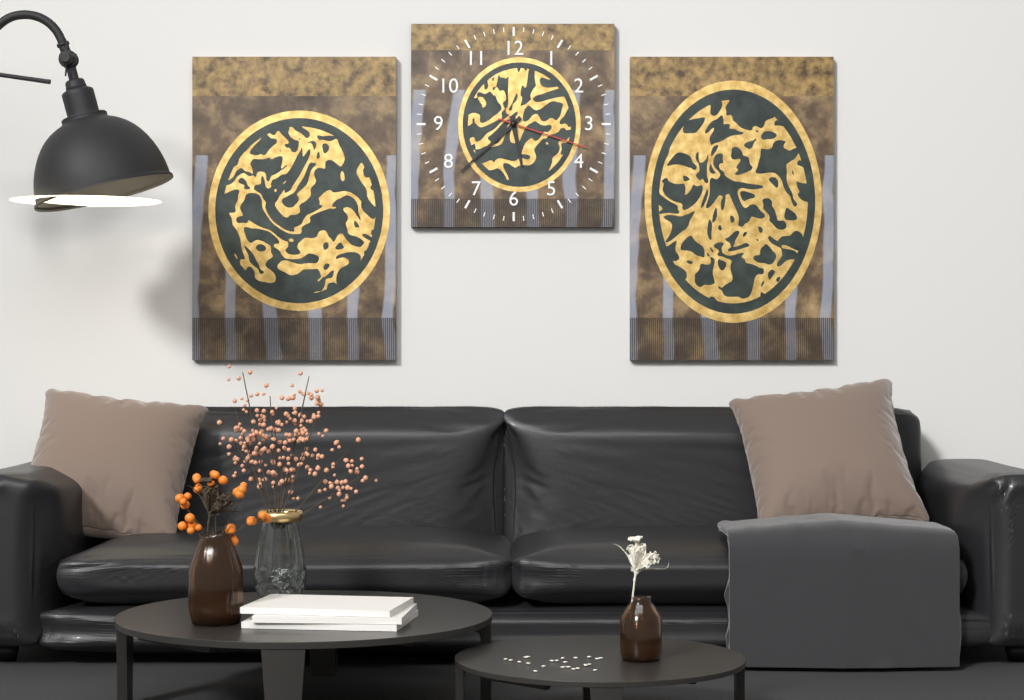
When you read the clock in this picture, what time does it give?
5:38:18
